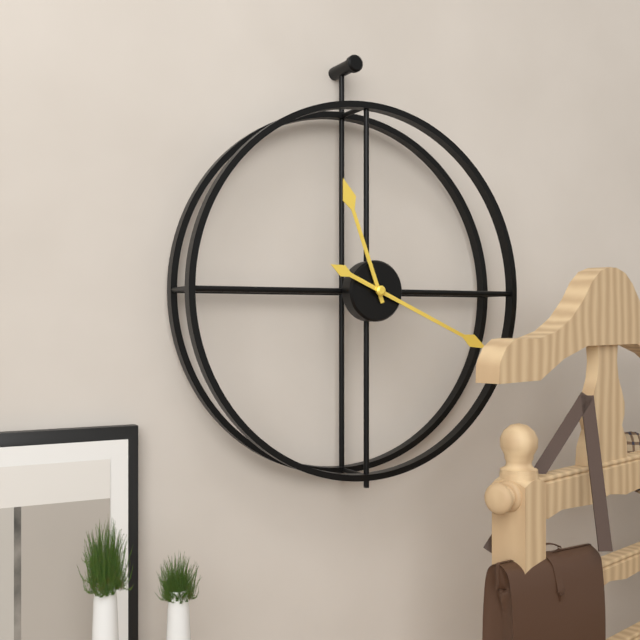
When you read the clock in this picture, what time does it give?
11:19
